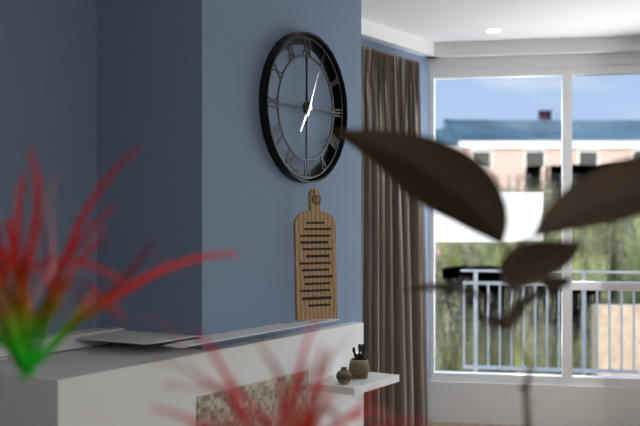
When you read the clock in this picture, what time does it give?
7:04
